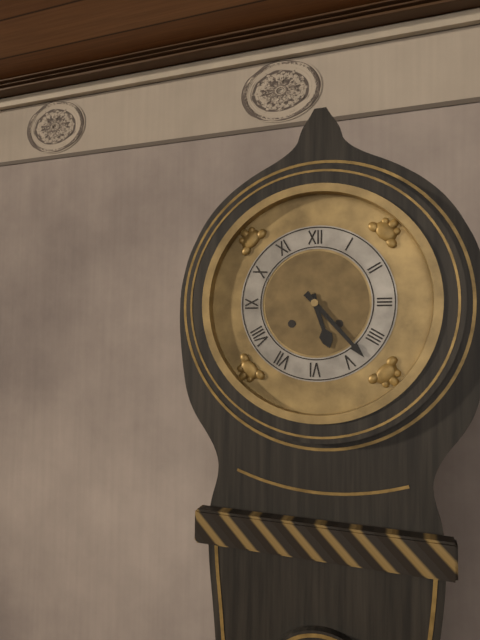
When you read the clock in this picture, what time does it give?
5:23
